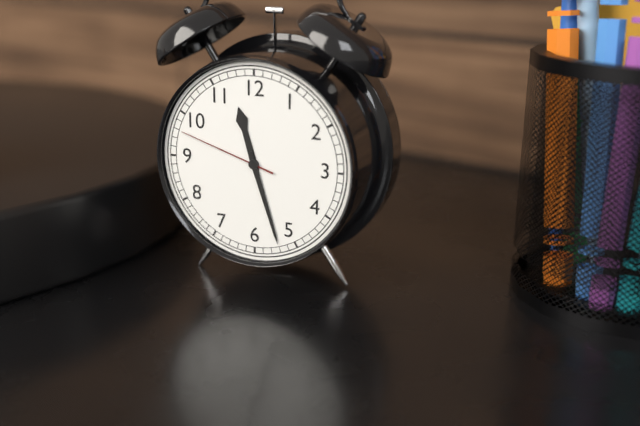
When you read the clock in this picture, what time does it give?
11:27:48
